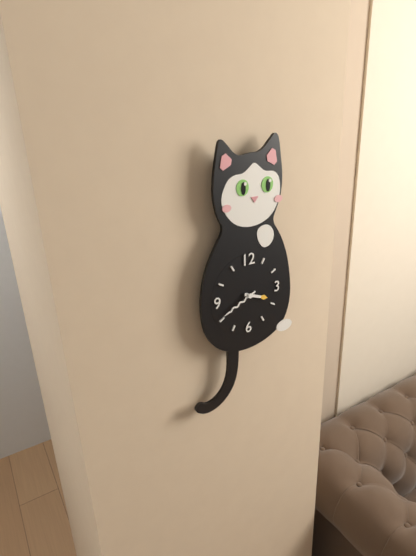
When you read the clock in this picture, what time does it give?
3:41
